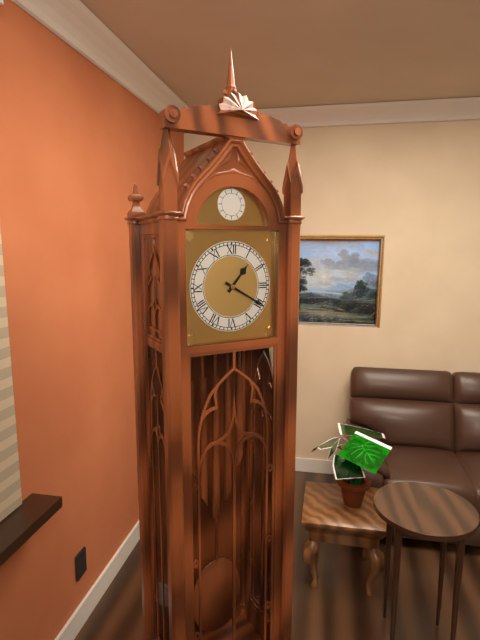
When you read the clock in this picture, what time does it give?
1:20
